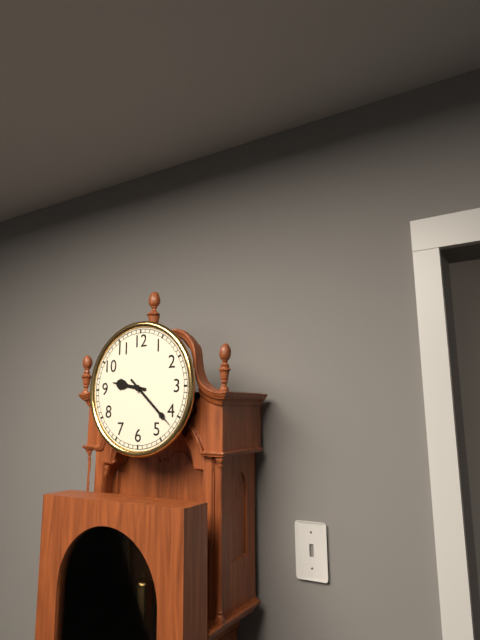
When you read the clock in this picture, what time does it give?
9:22
